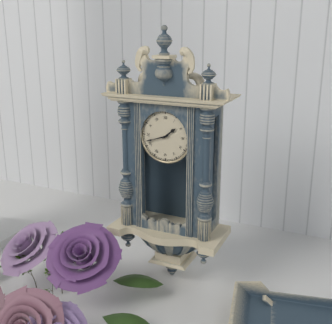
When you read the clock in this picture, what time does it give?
1:42
